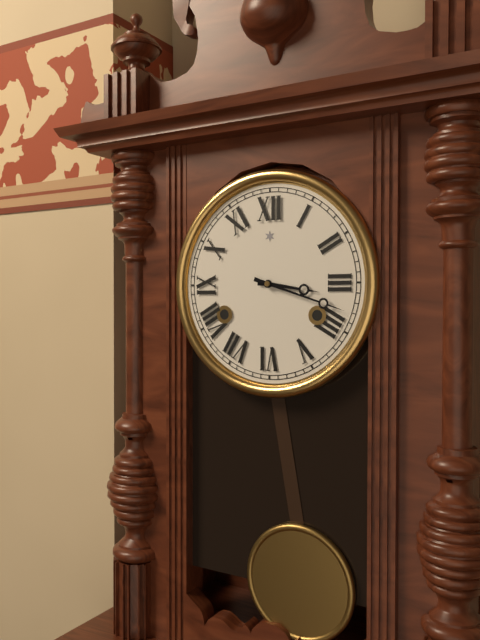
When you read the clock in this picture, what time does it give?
3:18
